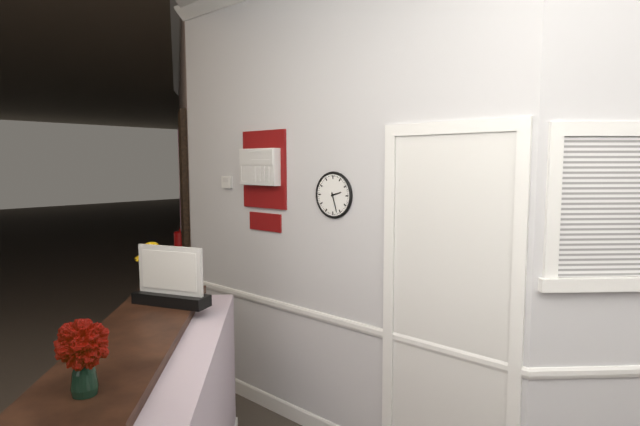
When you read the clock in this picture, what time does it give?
2:27
